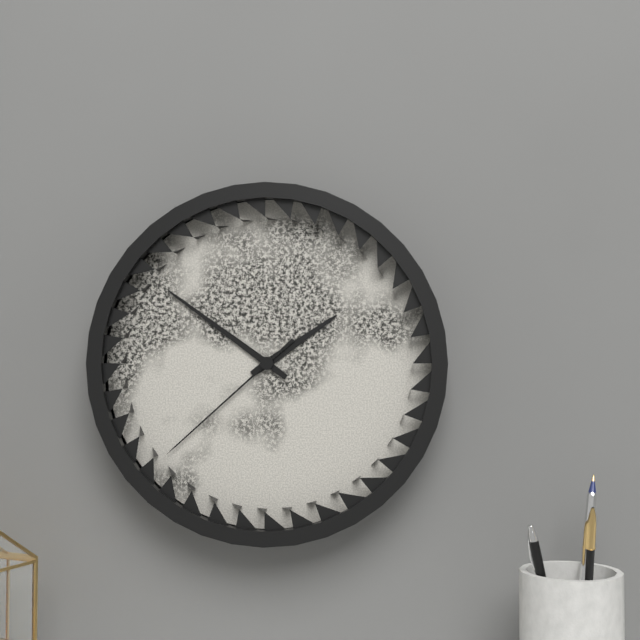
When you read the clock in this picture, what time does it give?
1:51:38
